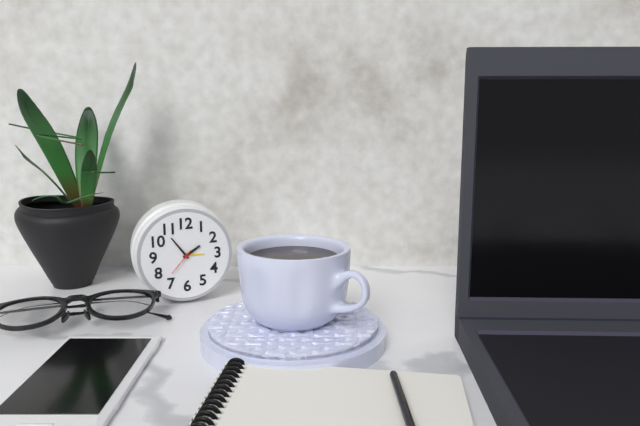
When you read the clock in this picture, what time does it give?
1:54
